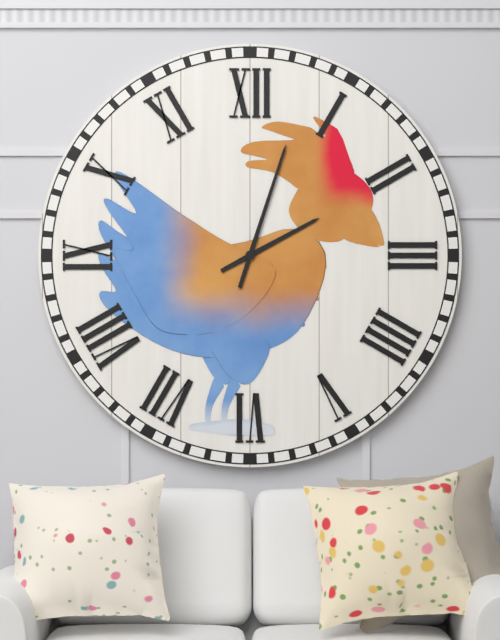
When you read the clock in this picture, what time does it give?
2:03
